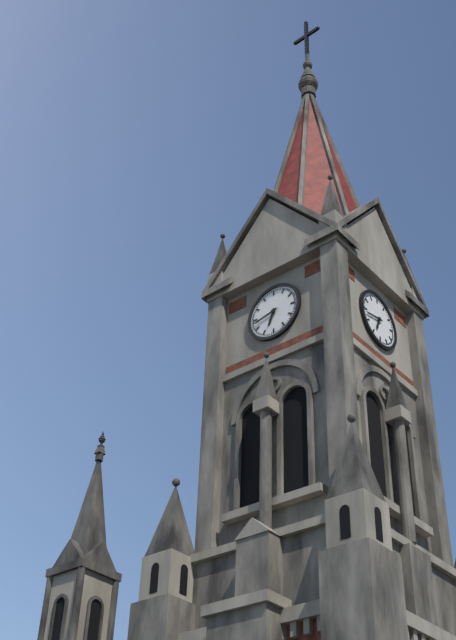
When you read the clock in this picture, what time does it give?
6:43
